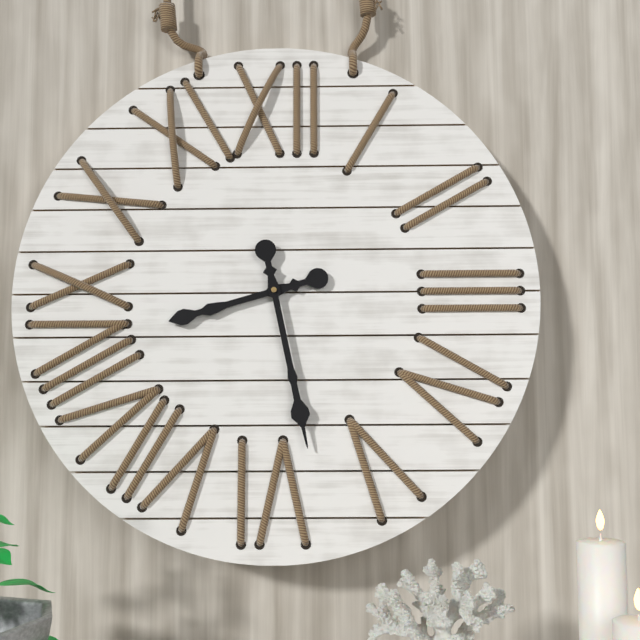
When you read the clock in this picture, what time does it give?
8:28
